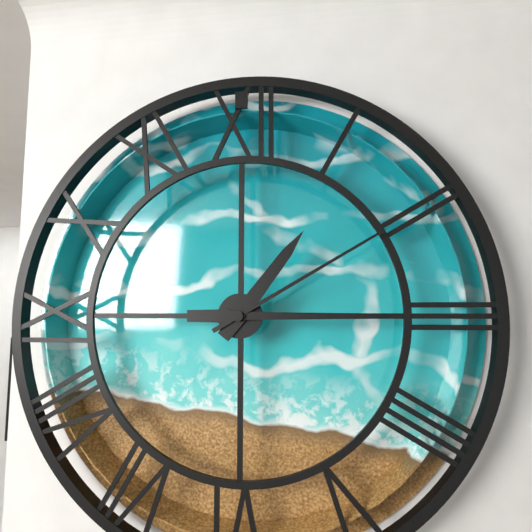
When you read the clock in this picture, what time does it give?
1:15:10
